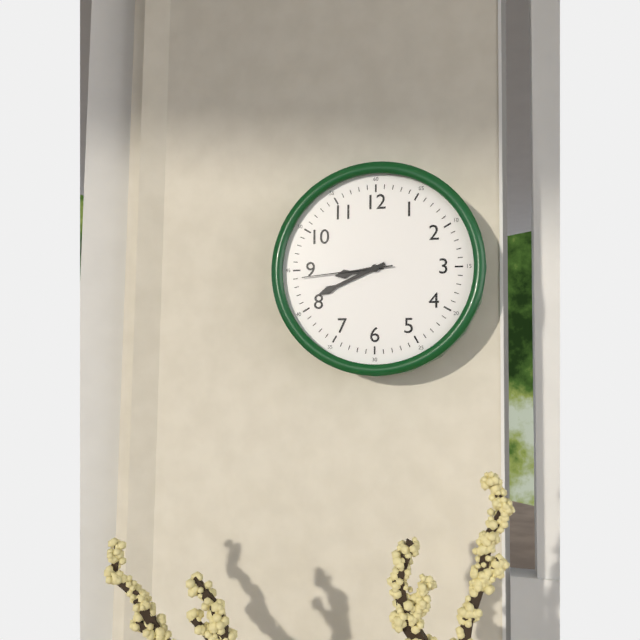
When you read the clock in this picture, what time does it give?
8:41:44
